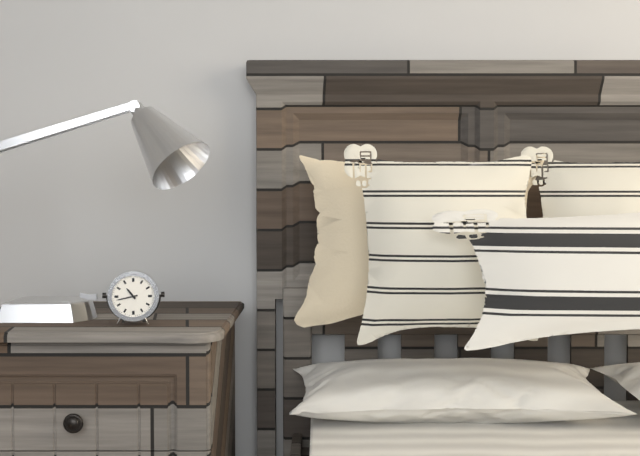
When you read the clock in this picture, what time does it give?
10:43
